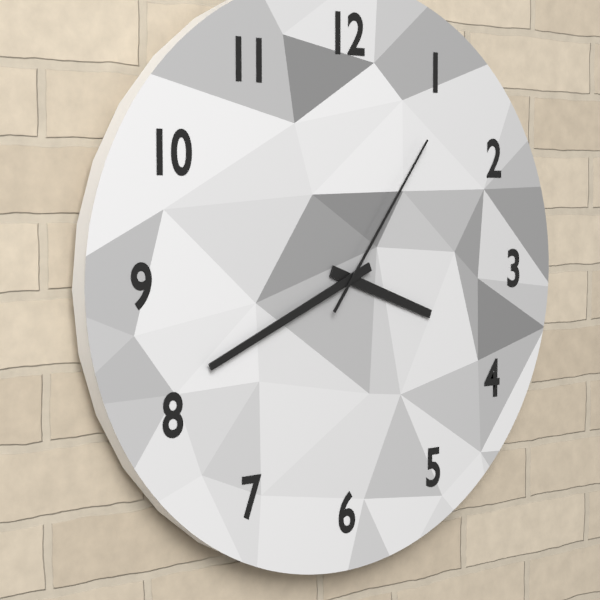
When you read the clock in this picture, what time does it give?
3:41:06
